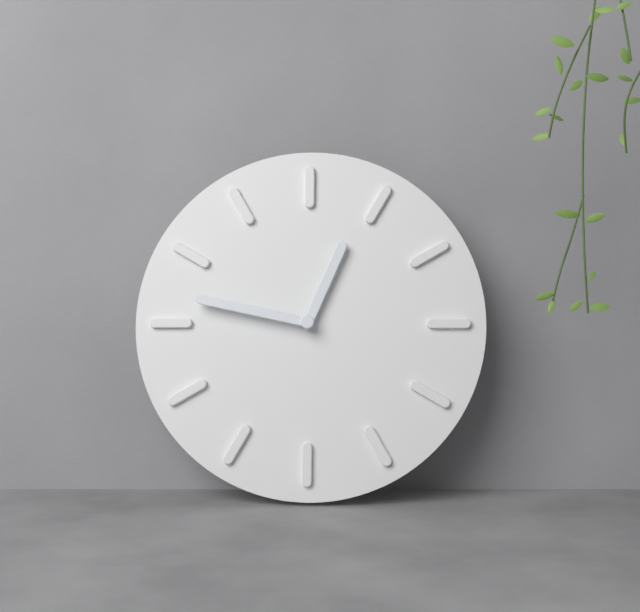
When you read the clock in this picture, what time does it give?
12:47
